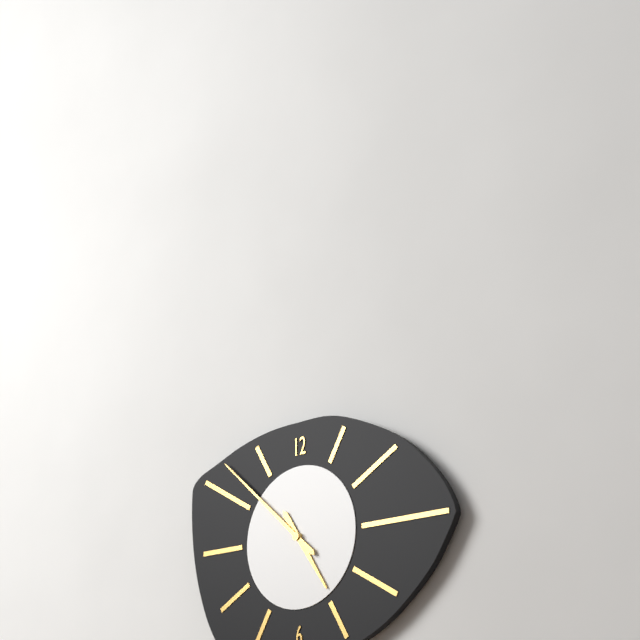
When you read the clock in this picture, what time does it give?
4:52
